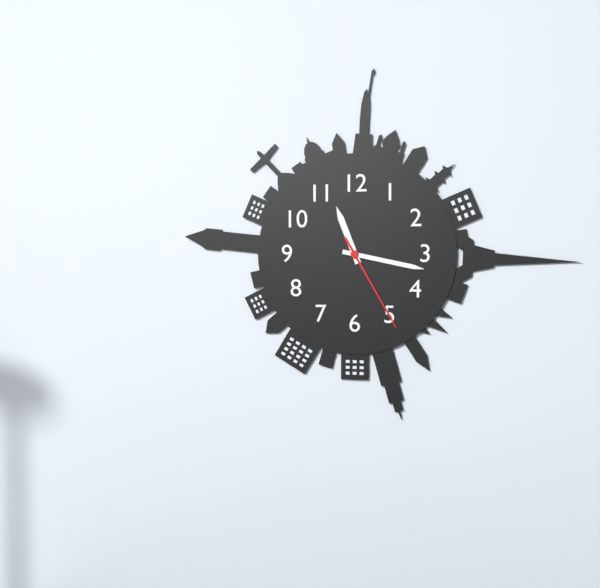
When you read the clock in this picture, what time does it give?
11:17:25
